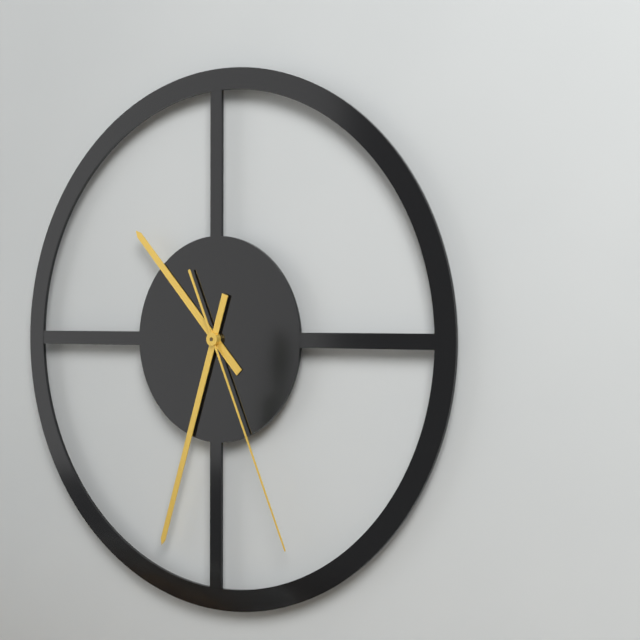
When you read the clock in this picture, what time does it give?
10:33:26
